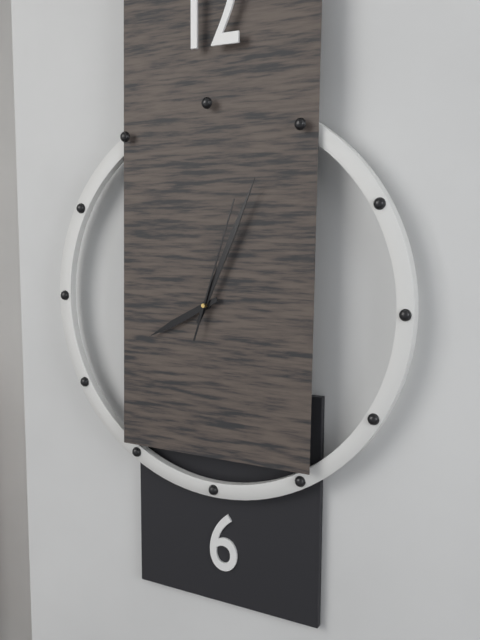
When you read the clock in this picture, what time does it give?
8:04:03
